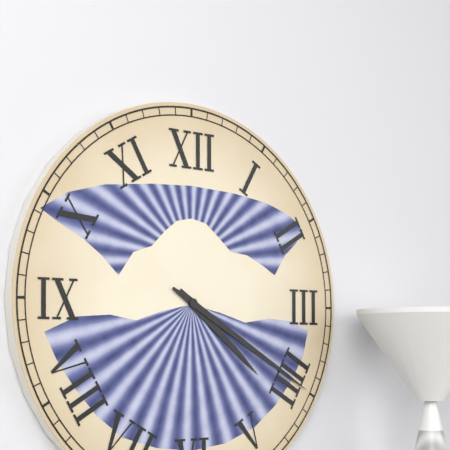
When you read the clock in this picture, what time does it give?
4:20
